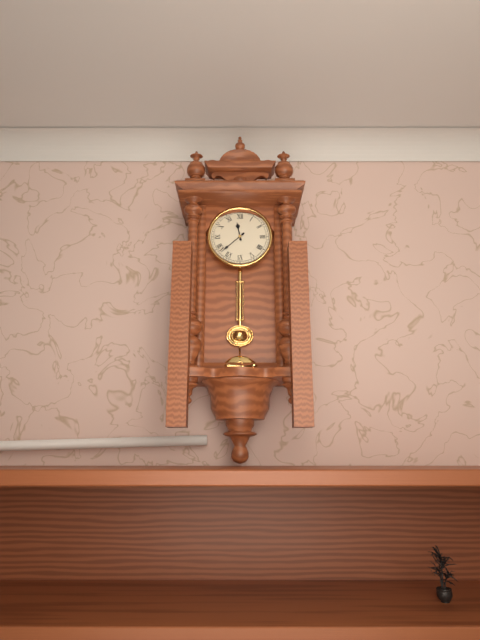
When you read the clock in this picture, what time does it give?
11:38
